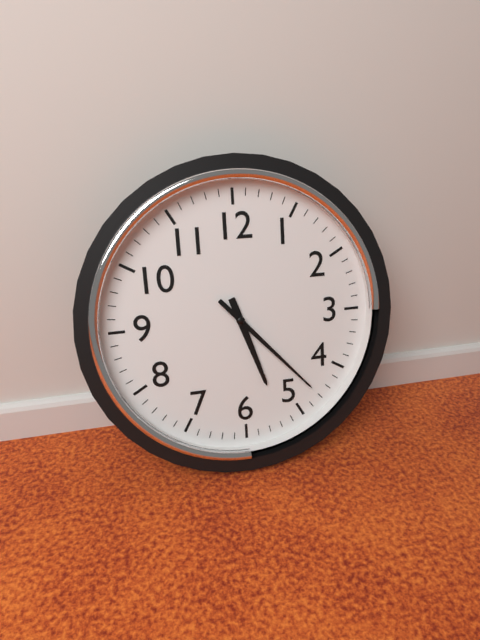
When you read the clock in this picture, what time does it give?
5:23
